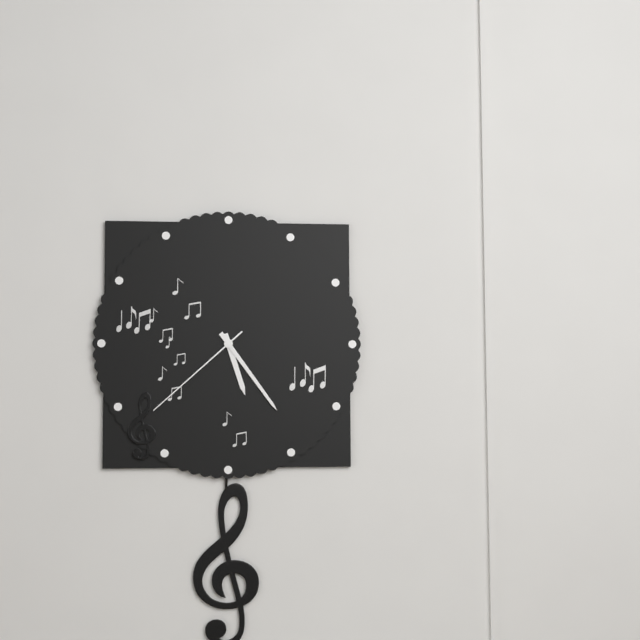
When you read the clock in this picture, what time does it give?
5:24:38
